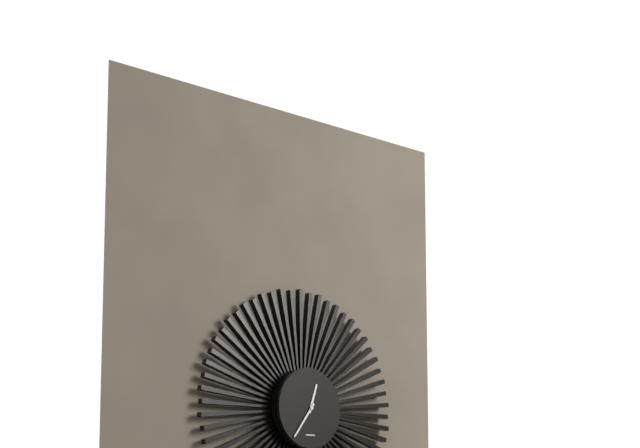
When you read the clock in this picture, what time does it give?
12:36
